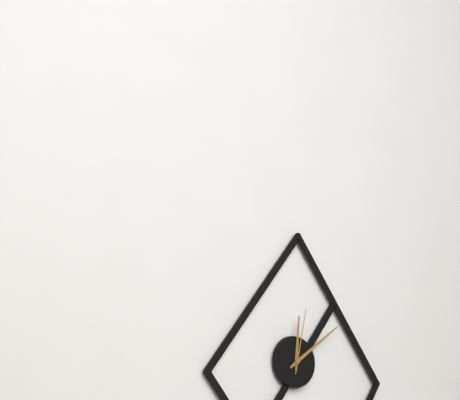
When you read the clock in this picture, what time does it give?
12:09:02
